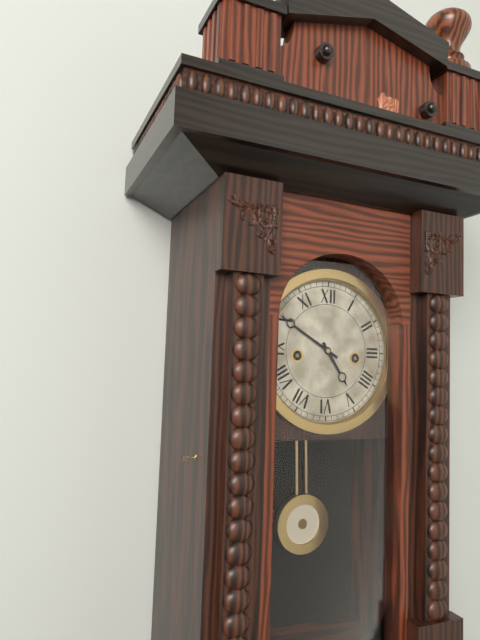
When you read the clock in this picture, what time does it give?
4:50
